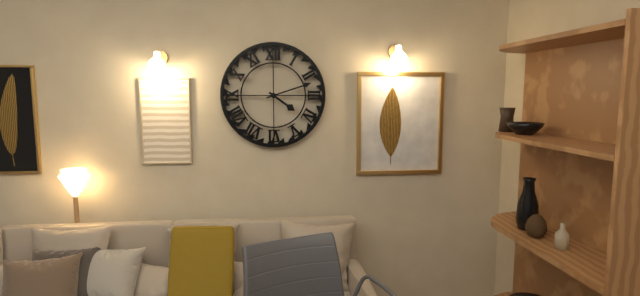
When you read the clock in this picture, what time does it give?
4:12
